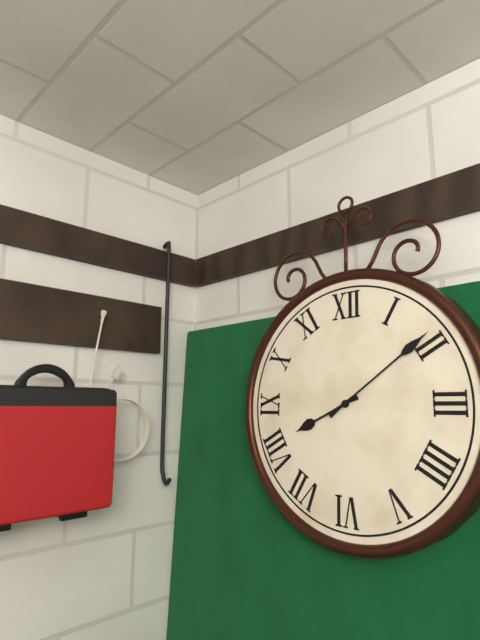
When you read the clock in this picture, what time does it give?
8:09
